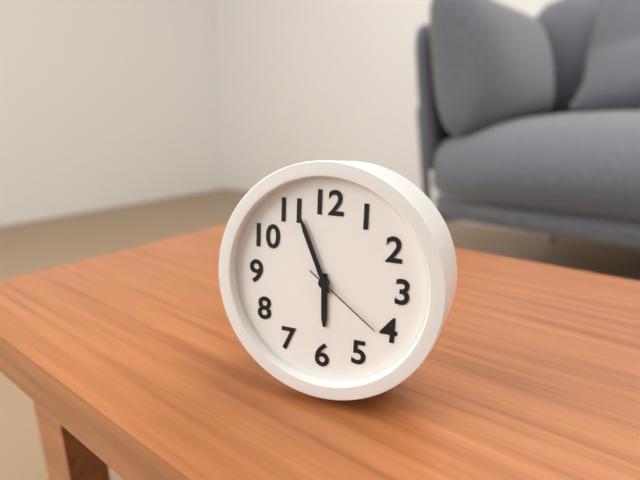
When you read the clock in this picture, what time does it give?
5:56:21
